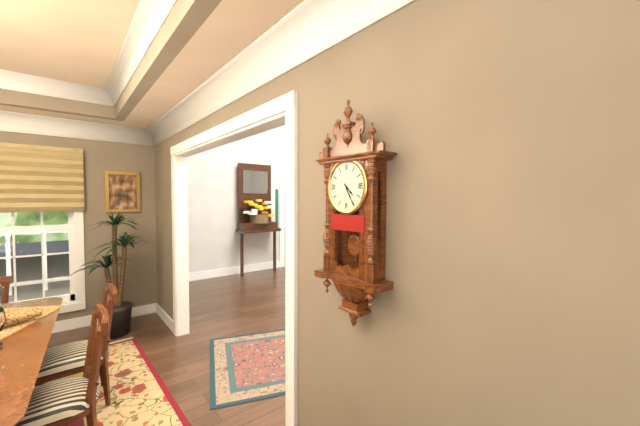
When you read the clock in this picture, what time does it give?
4:25
